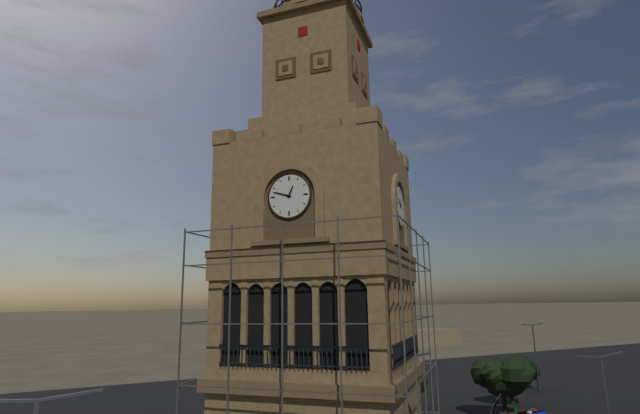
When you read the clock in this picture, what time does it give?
12:48
